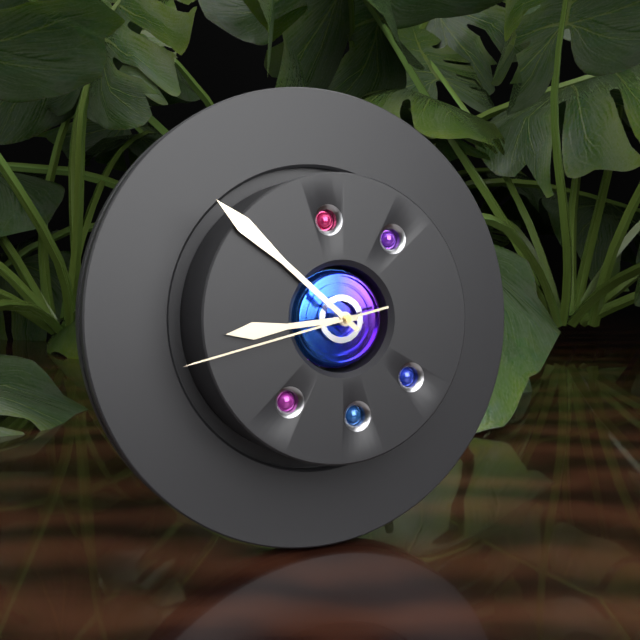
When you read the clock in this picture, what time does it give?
8:52:43
